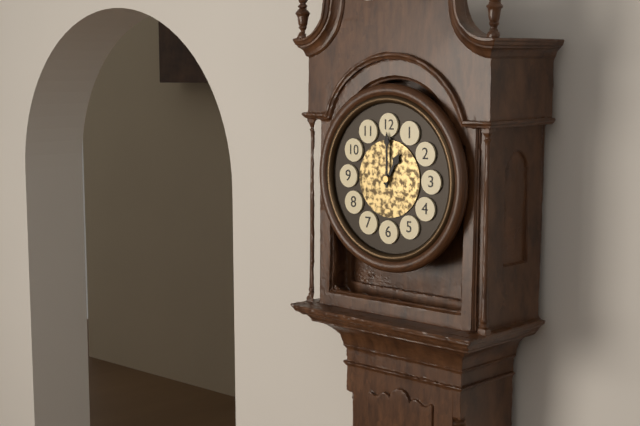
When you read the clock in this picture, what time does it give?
1:00
